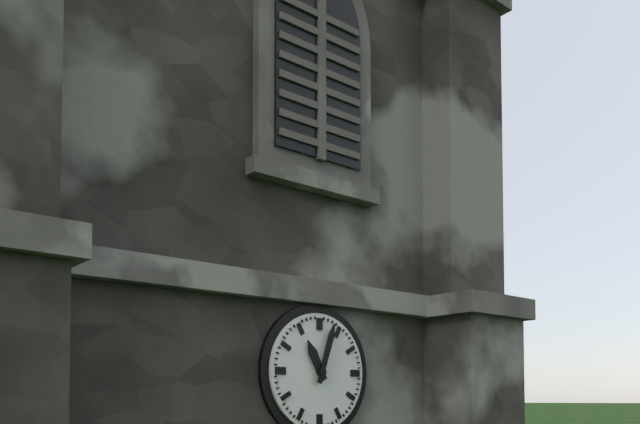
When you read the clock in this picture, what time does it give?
11:03
